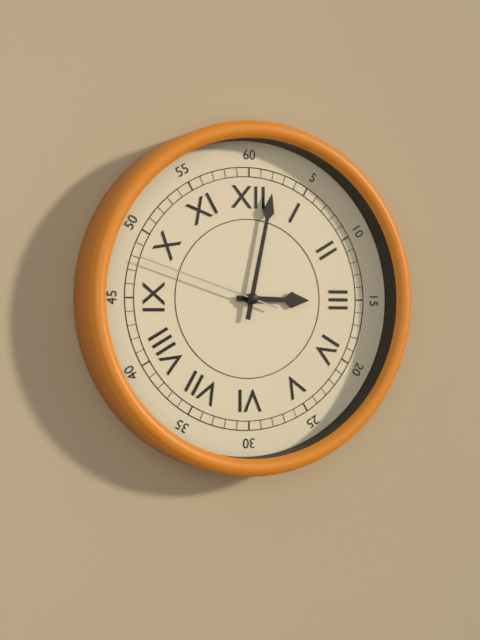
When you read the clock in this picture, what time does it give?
3:02:48
